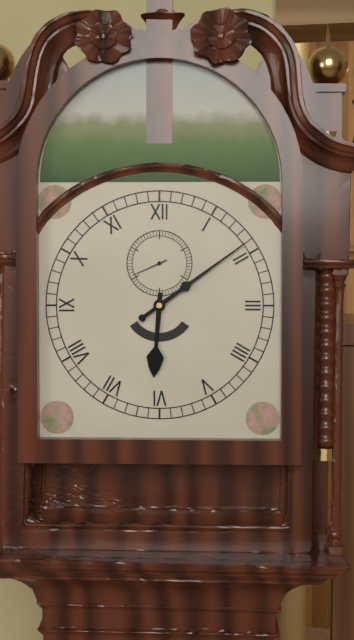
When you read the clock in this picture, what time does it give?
6:09
